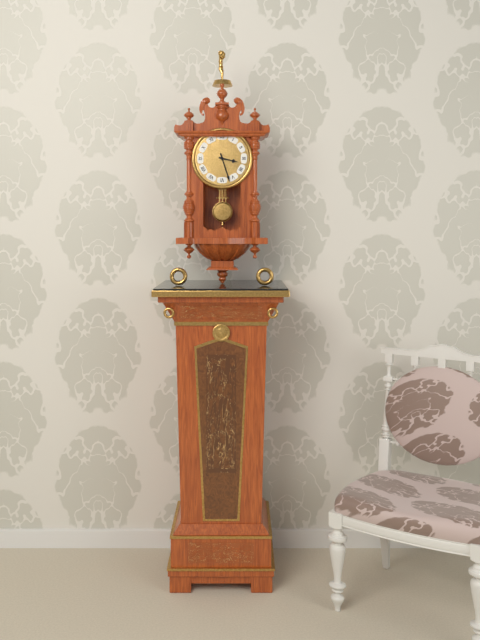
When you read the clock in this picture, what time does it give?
3:27
